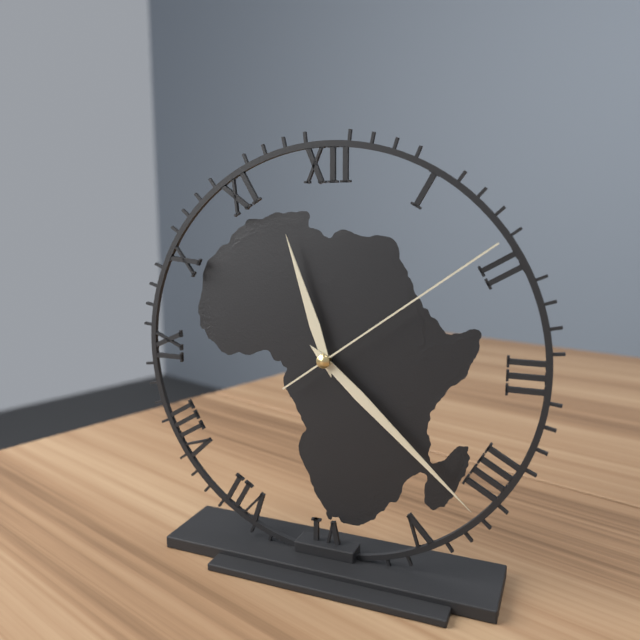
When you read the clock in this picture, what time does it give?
11:22:09
